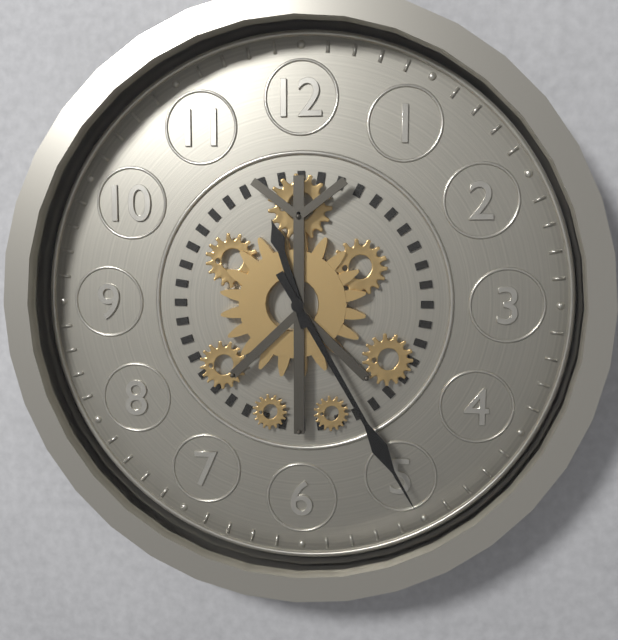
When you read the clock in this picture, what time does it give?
11:25
